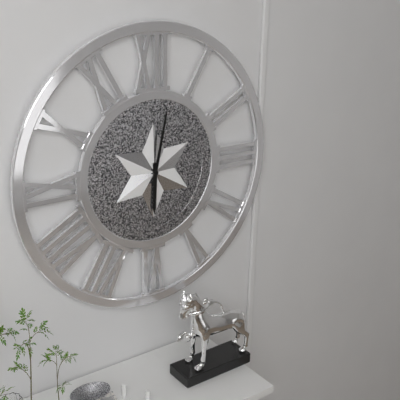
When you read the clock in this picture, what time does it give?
6:02
